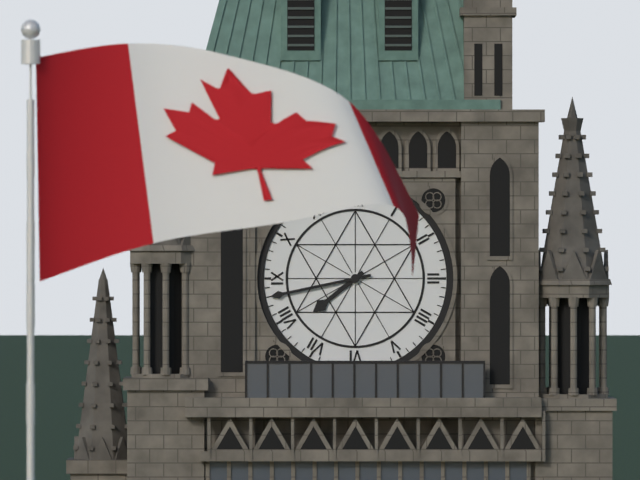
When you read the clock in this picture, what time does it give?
7:43
